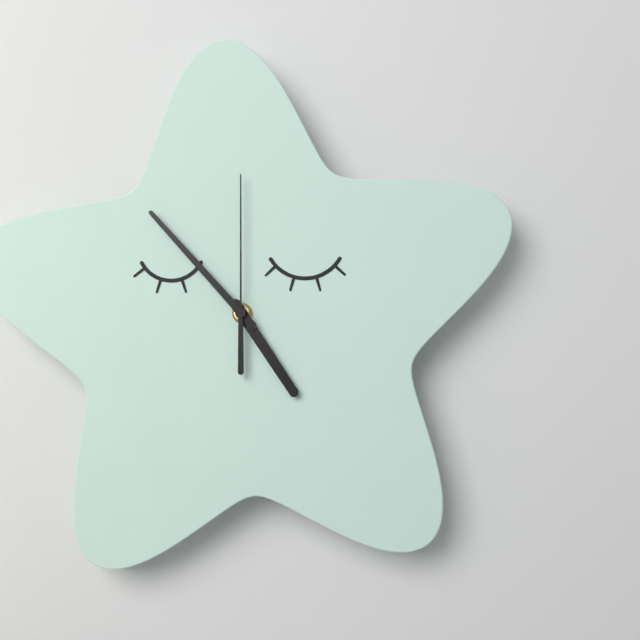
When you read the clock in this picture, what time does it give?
4:53:00
